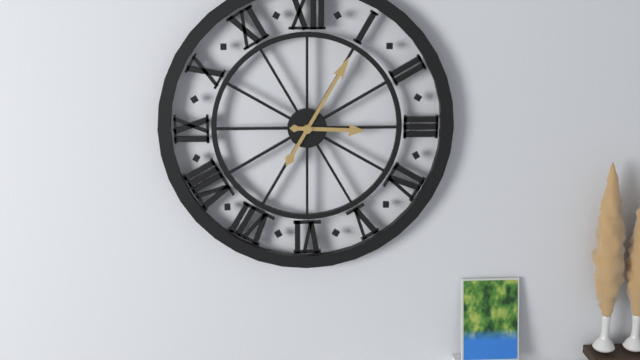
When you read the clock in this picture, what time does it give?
3:05
